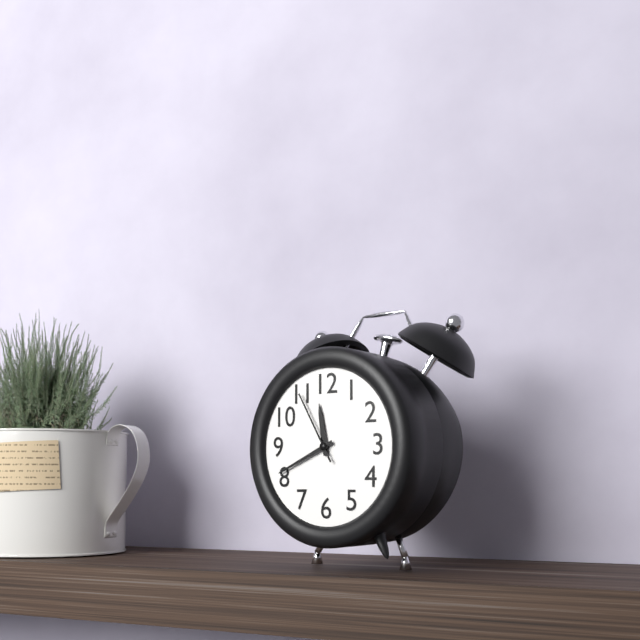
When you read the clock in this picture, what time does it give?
11:41:55
